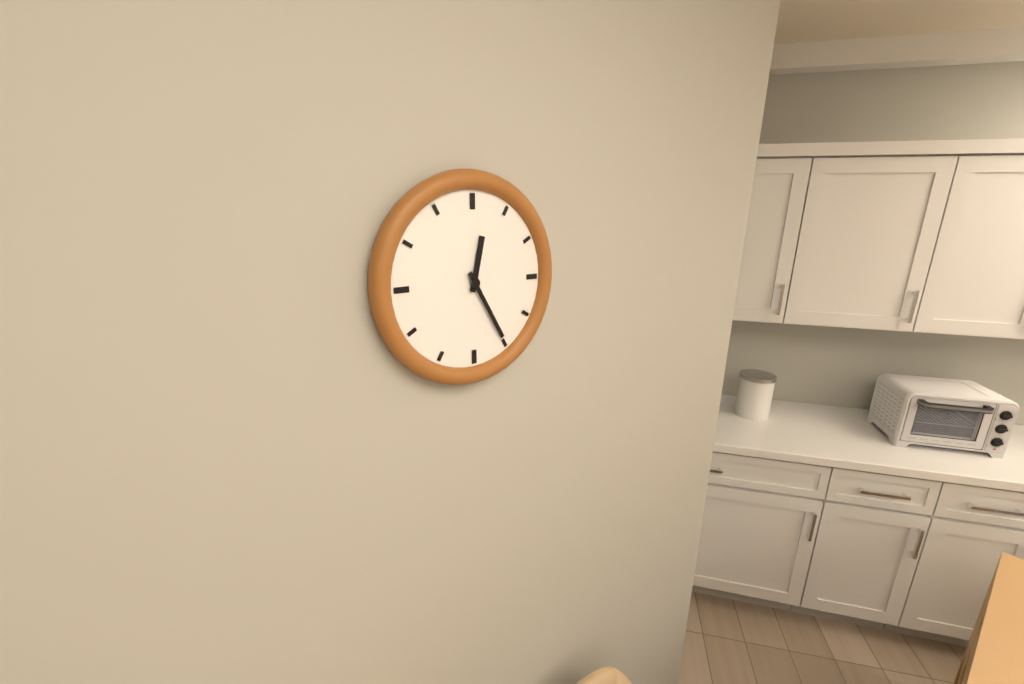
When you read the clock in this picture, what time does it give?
12:25
